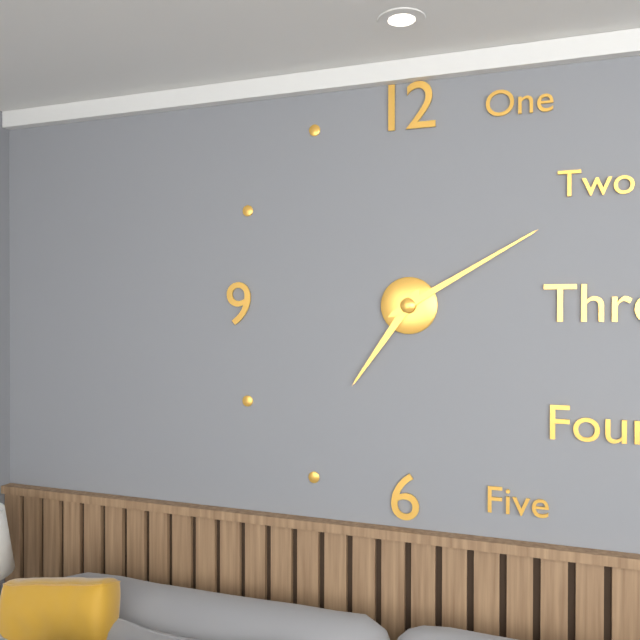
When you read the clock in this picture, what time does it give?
7:10
